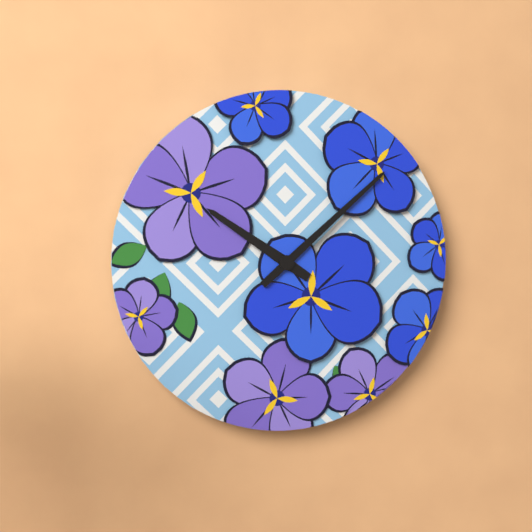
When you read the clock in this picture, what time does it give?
10:08
